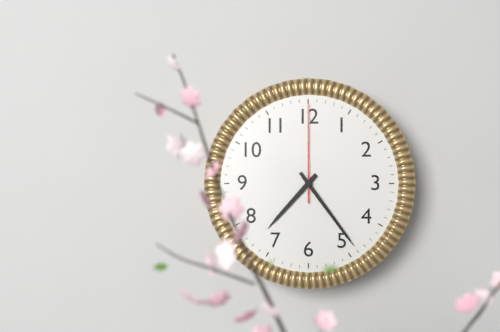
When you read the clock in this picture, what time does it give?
7:24:00
